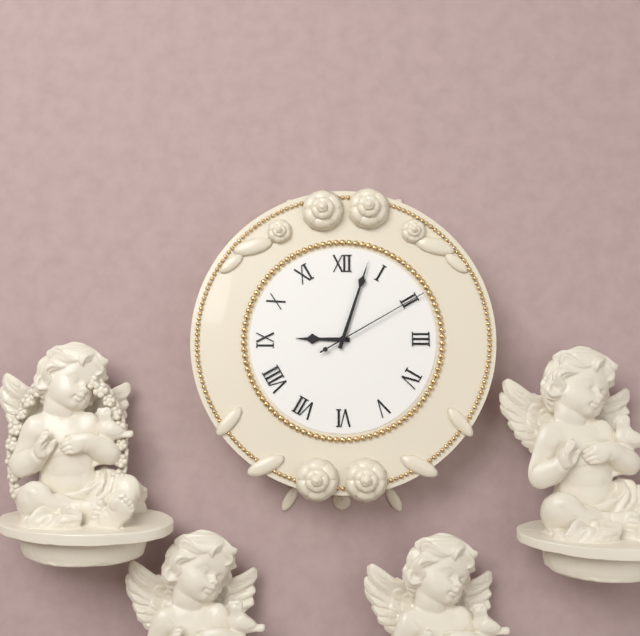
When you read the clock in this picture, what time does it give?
9:03:10
